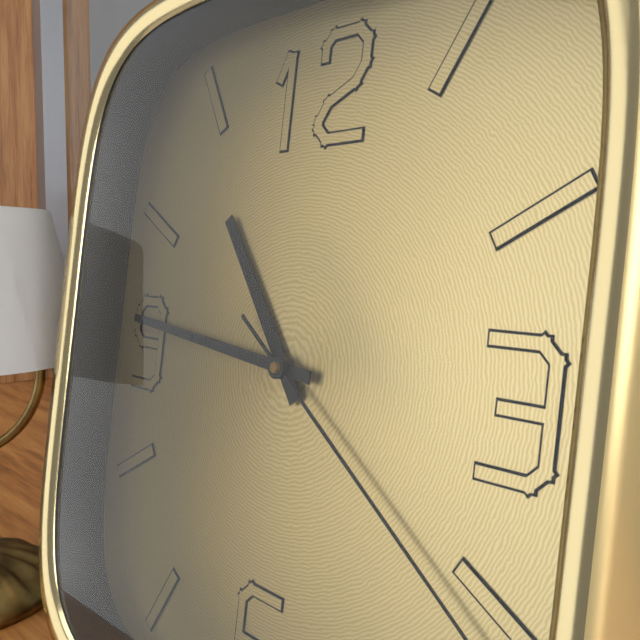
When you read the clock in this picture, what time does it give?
10:46
